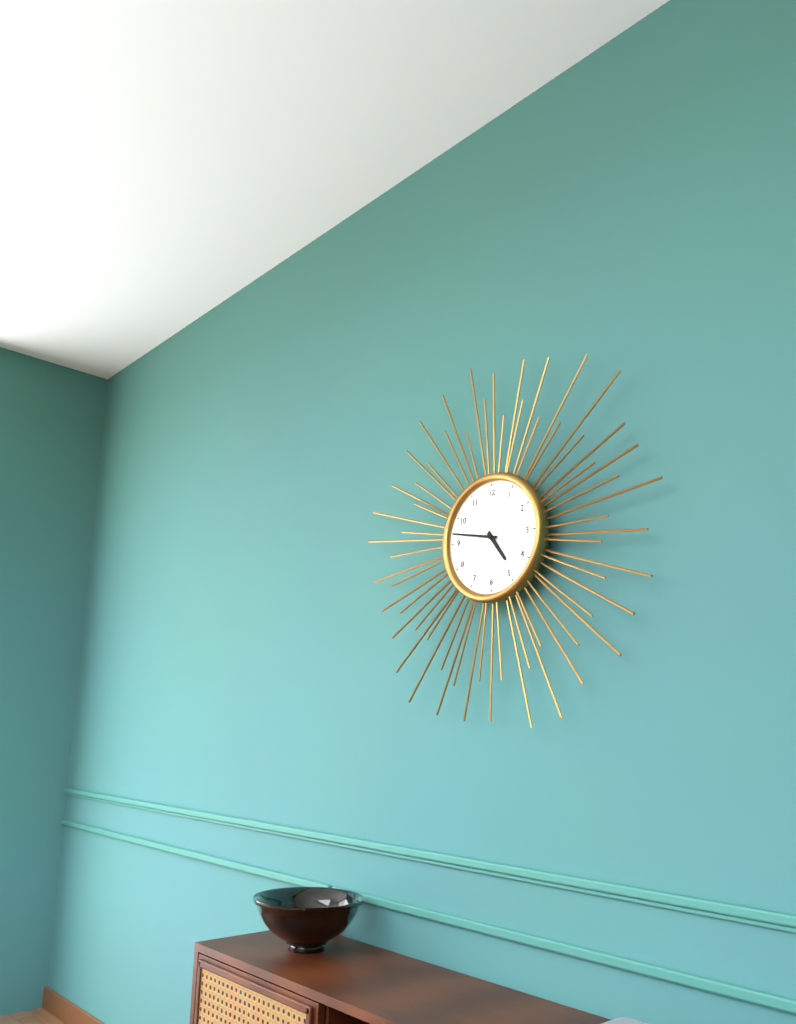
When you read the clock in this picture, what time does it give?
4:47
